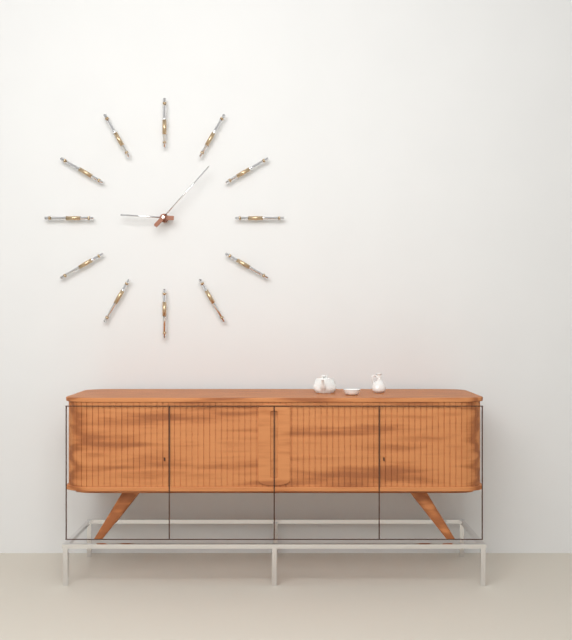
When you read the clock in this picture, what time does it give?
9:07
